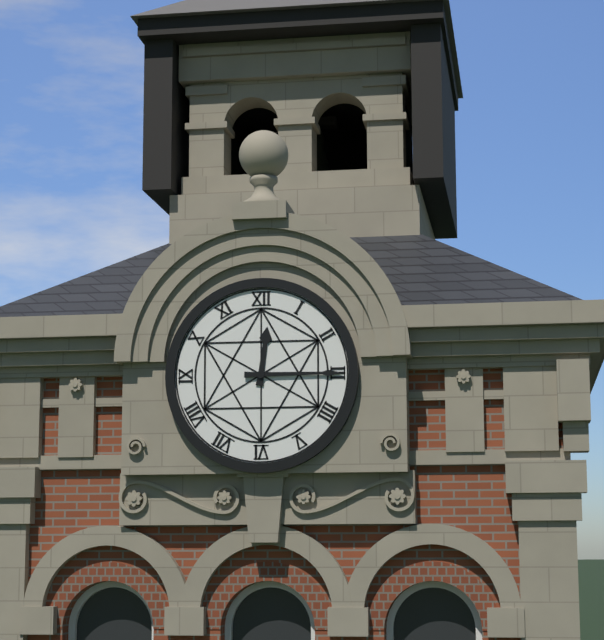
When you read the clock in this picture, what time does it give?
12:15
